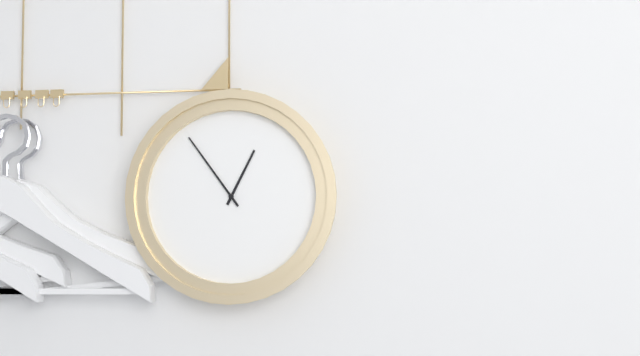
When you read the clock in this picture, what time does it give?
12:54
